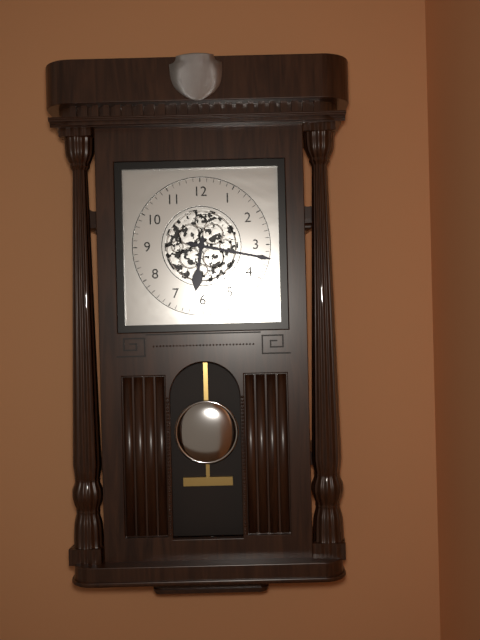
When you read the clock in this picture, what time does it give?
6:17
